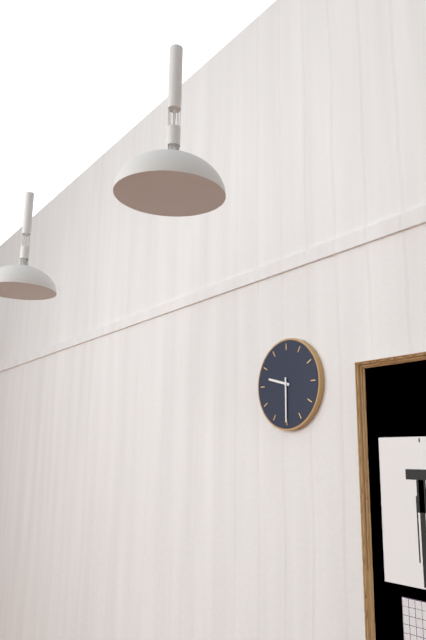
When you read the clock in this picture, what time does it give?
9:30
